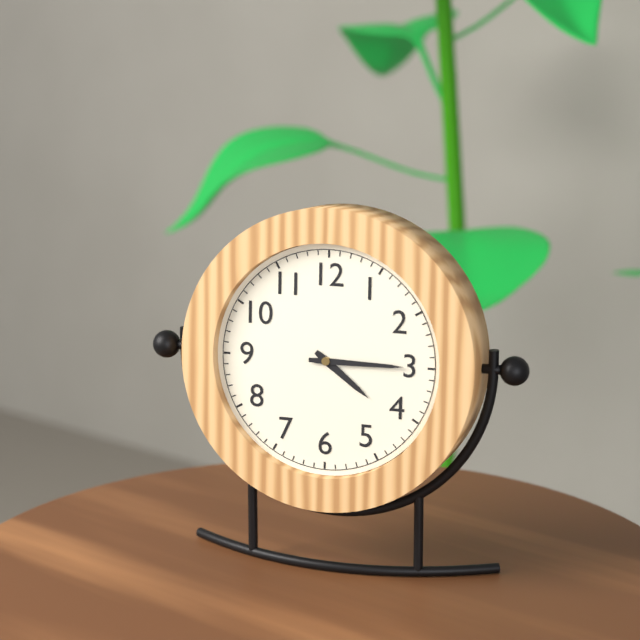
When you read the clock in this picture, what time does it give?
4:15
